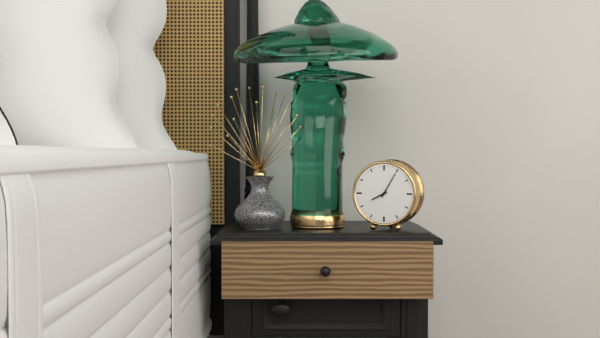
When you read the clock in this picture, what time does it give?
8:05
